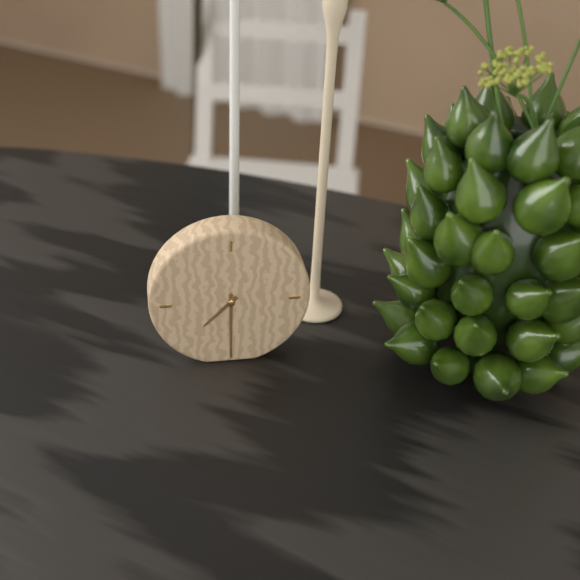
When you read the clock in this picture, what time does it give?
7:30
